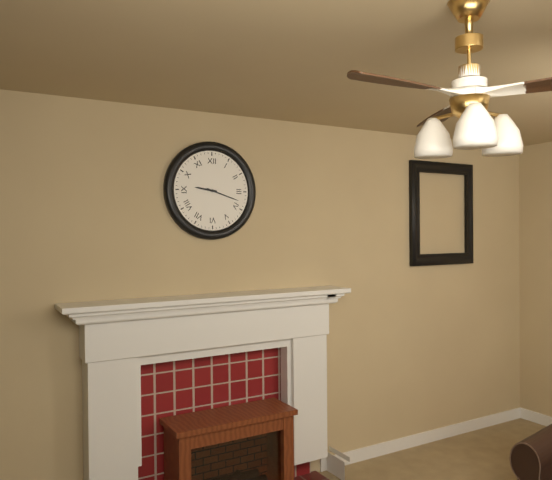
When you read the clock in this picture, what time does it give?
9:18
